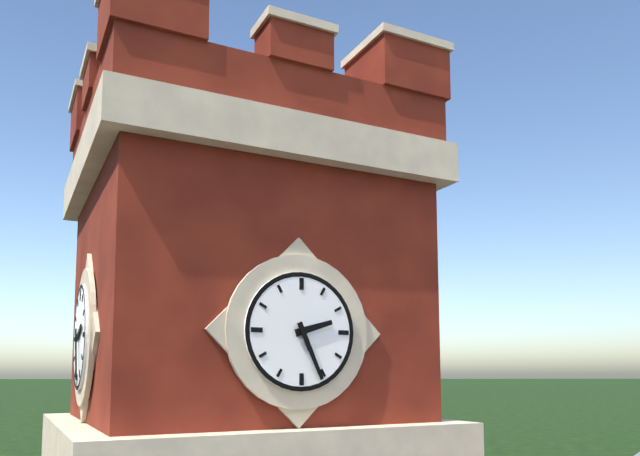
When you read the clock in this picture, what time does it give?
2:26
